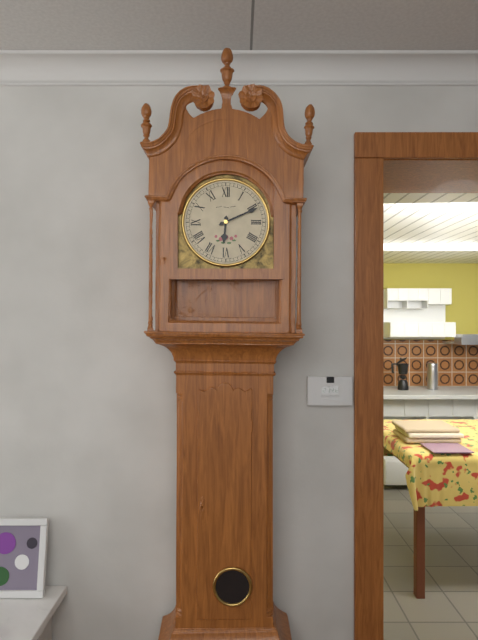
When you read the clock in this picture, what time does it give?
6:11
